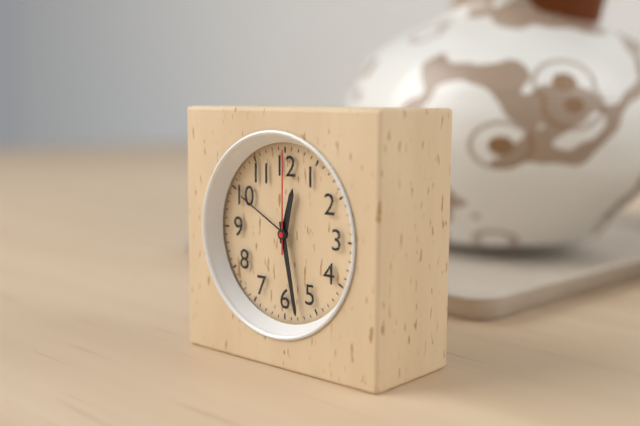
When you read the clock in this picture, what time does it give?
12:28:00
